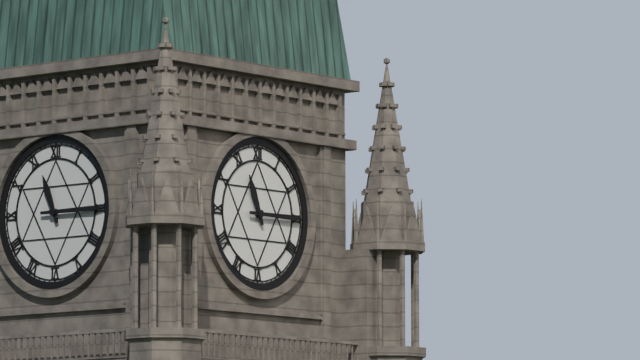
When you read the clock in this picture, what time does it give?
11:15
